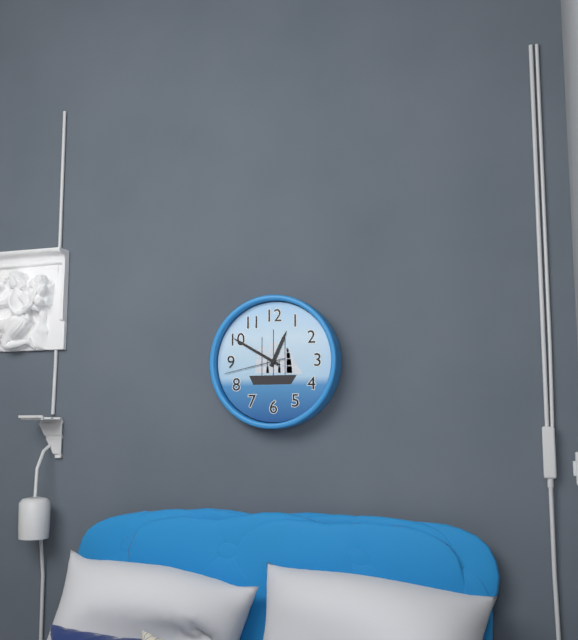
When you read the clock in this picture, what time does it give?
12:50:43
